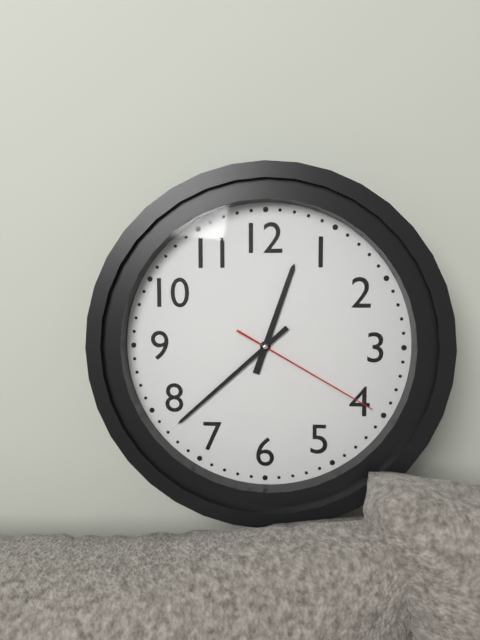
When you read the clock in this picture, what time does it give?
12:38:20
